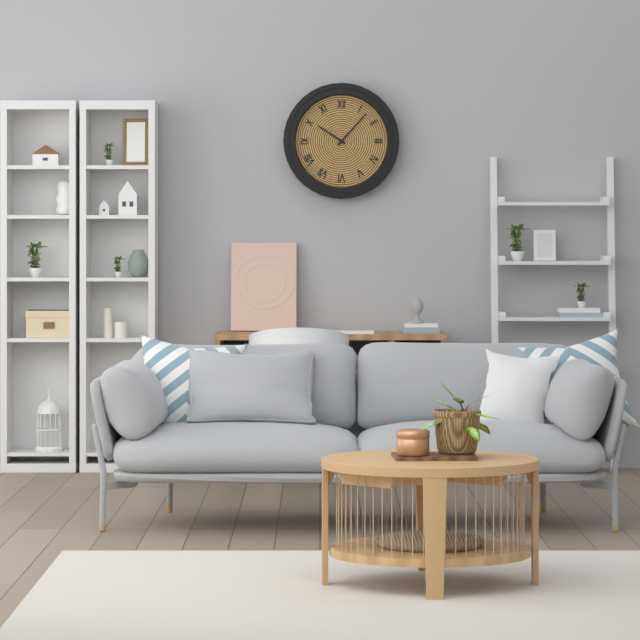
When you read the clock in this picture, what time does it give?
10:07
